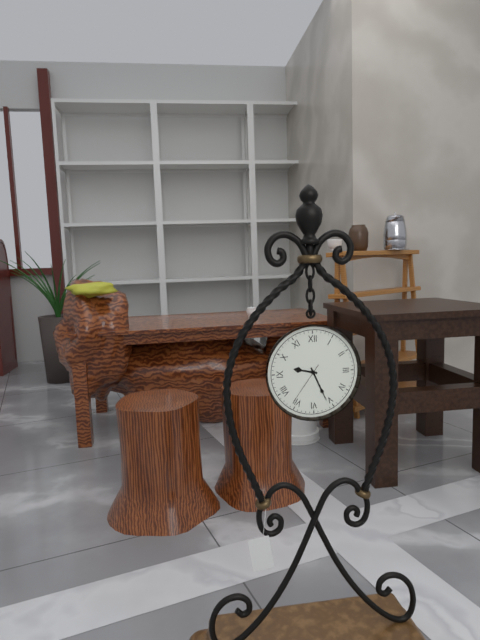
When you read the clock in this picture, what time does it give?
9:26
